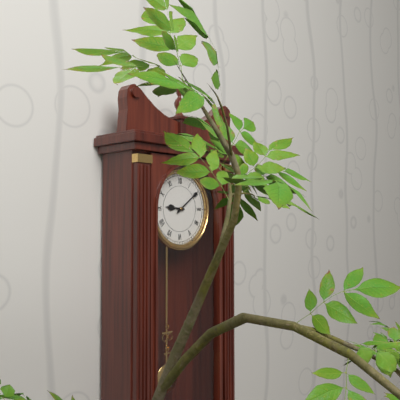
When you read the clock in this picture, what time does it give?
9:09
